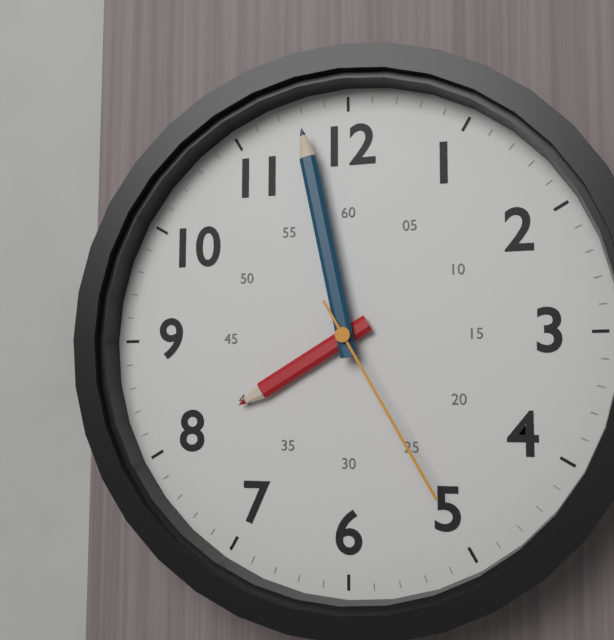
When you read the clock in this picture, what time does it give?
7:58:25
